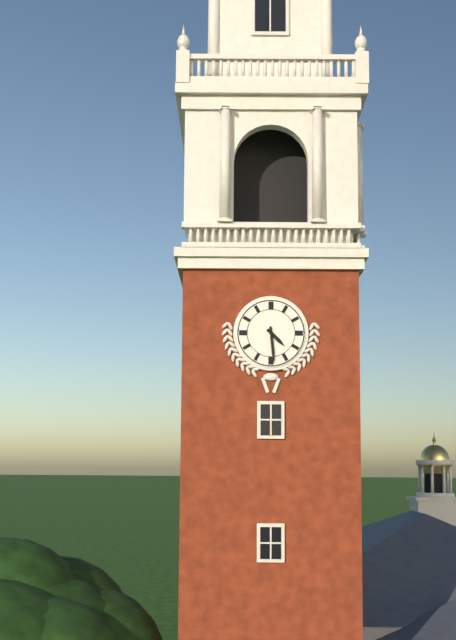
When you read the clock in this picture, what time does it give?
4:29
